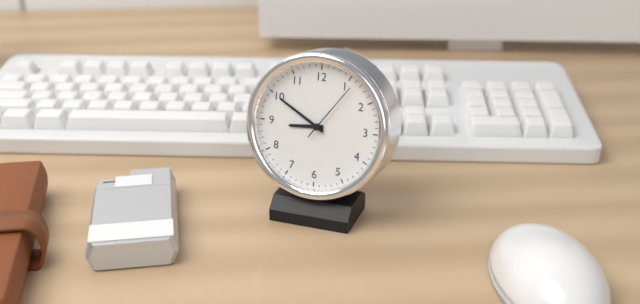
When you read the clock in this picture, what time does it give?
8:50:06
